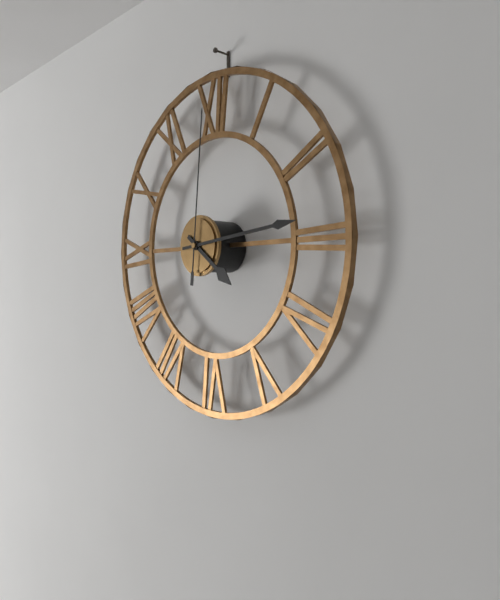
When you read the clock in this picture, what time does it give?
4:14:01
